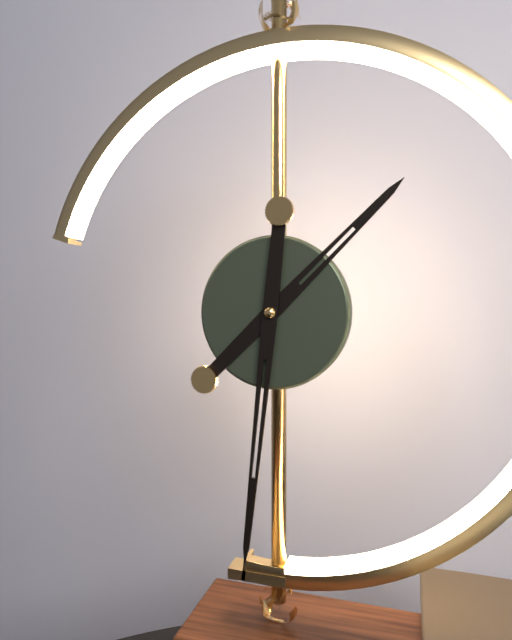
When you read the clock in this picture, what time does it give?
1:31
